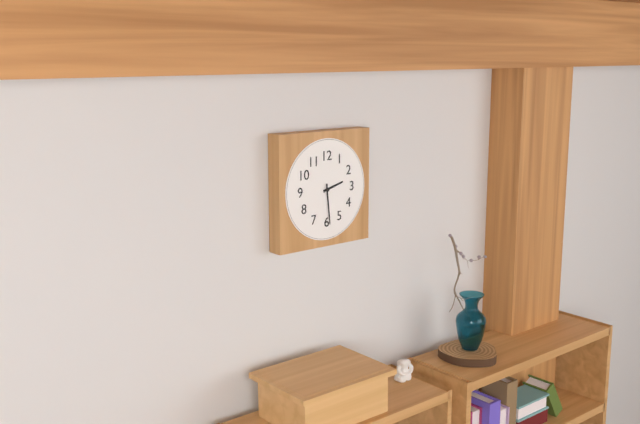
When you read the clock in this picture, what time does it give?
2:29
